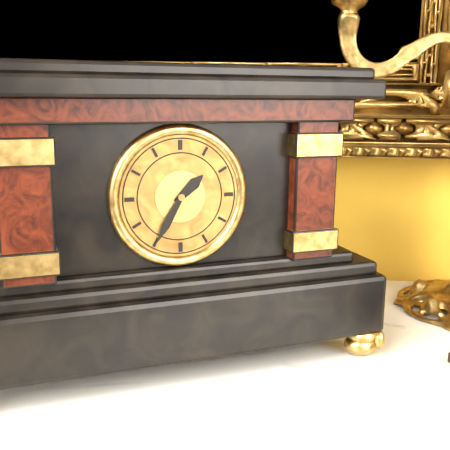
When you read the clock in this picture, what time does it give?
1:35
